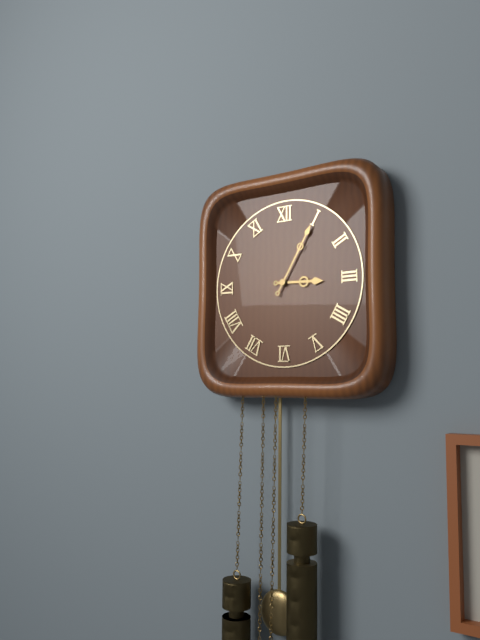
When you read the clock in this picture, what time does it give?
3:05
